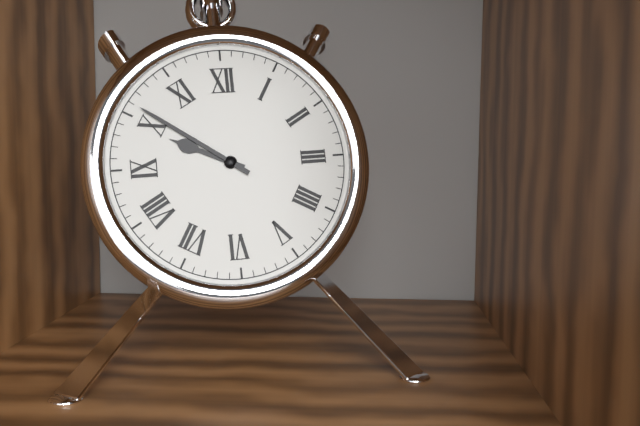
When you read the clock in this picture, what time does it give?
9:51
